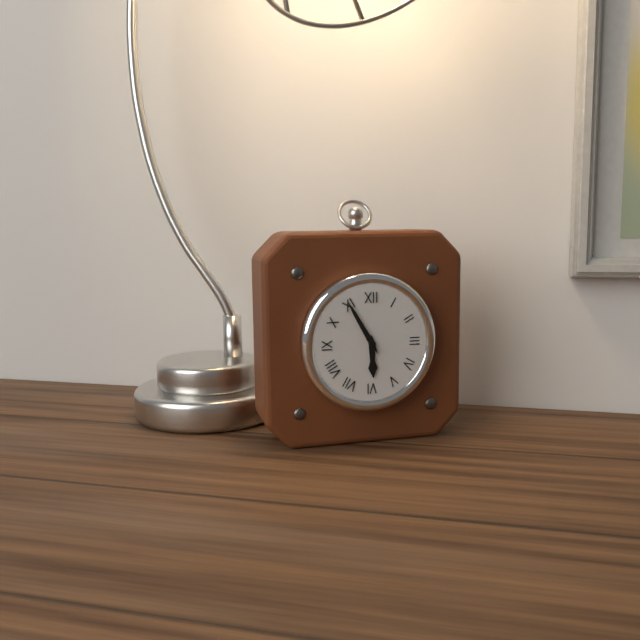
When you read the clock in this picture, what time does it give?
5:55
